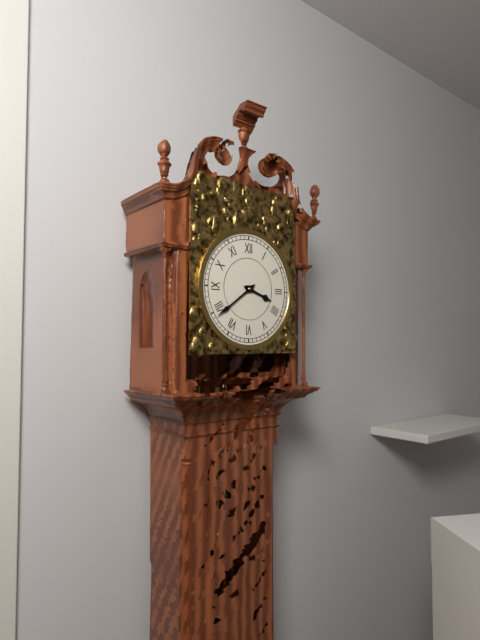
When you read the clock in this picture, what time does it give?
3:39
